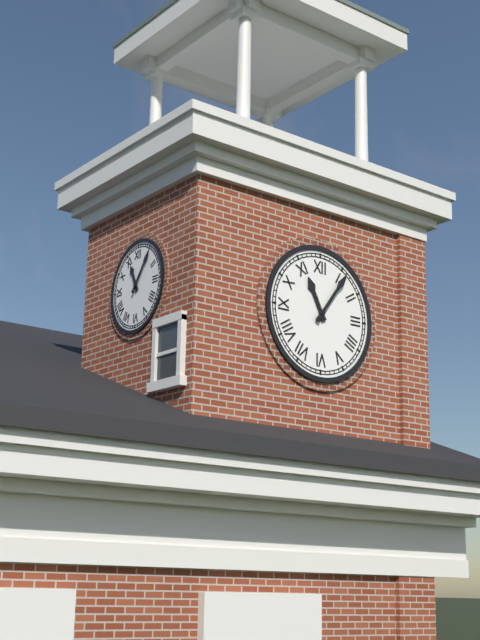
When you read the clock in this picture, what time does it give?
11:06
